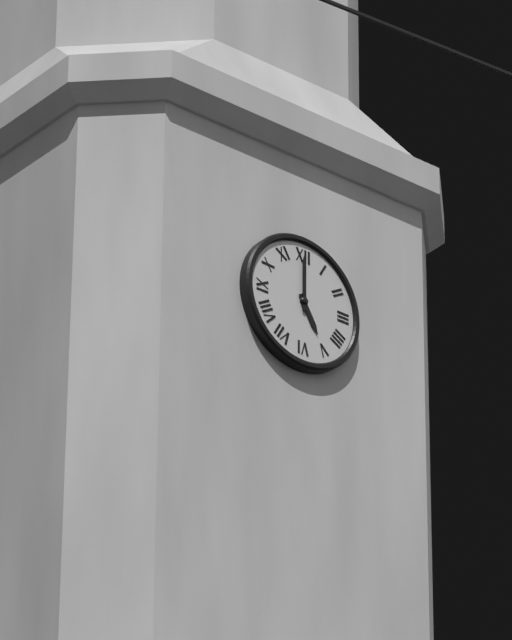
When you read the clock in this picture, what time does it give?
5:00
